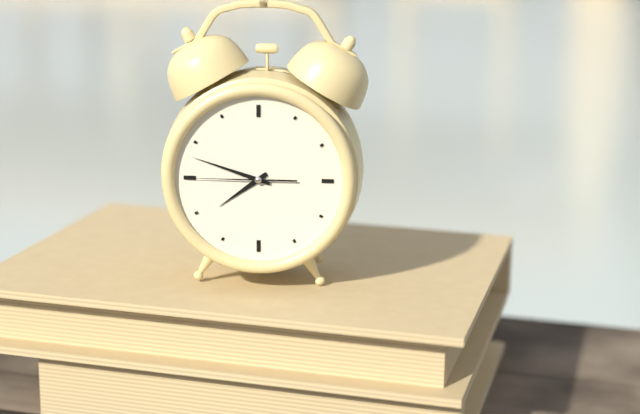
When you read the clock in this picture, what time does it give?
7:48:45
